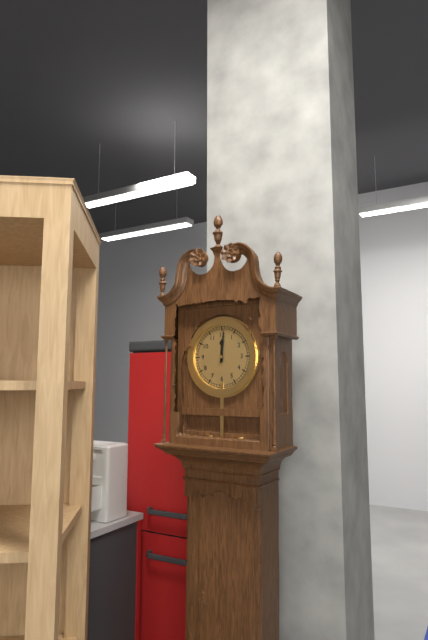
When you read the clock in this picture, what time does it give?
12:01
